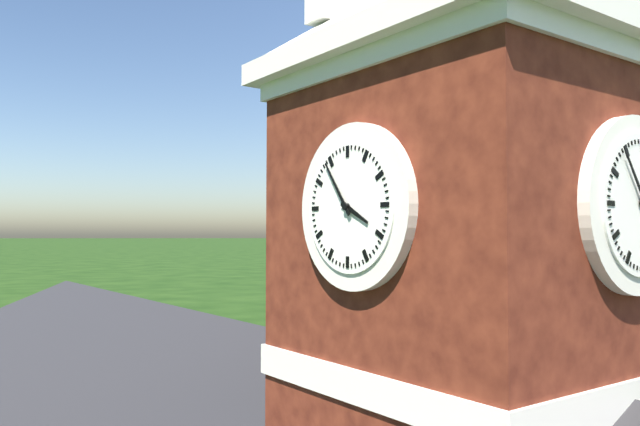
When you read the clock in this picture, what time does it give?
3:54
